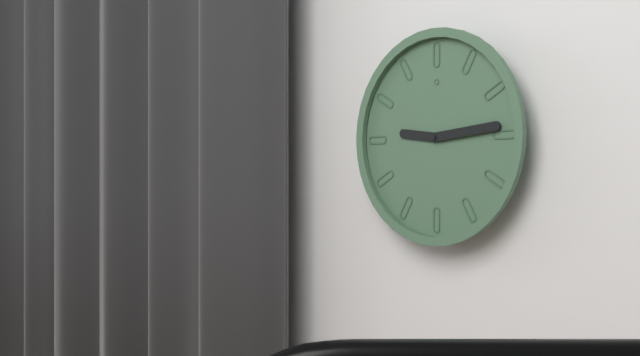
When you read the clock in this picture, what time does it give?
9:14
